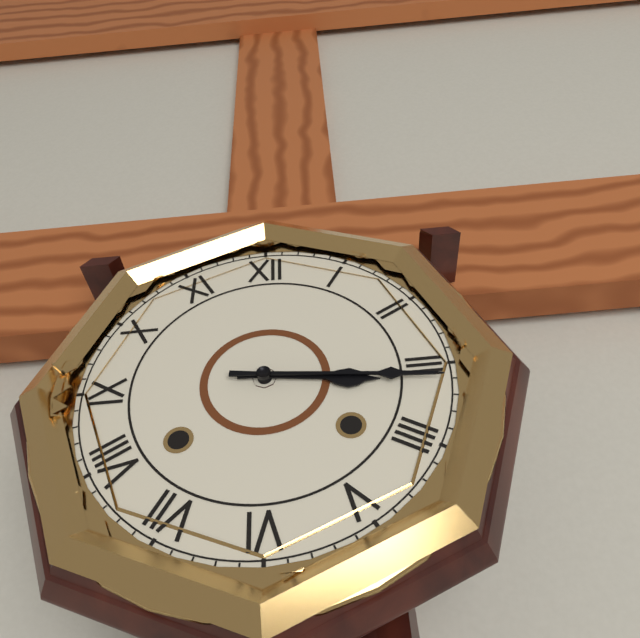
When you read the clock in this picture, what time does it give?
3:16
